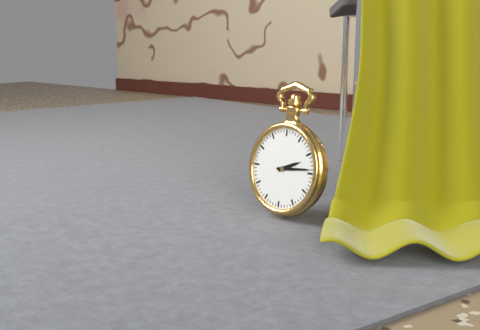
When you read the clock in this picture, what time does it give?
2:14
